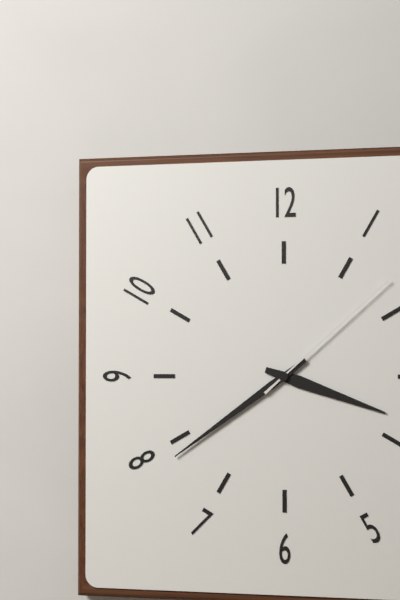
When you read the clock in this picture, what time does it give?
3:39:08
